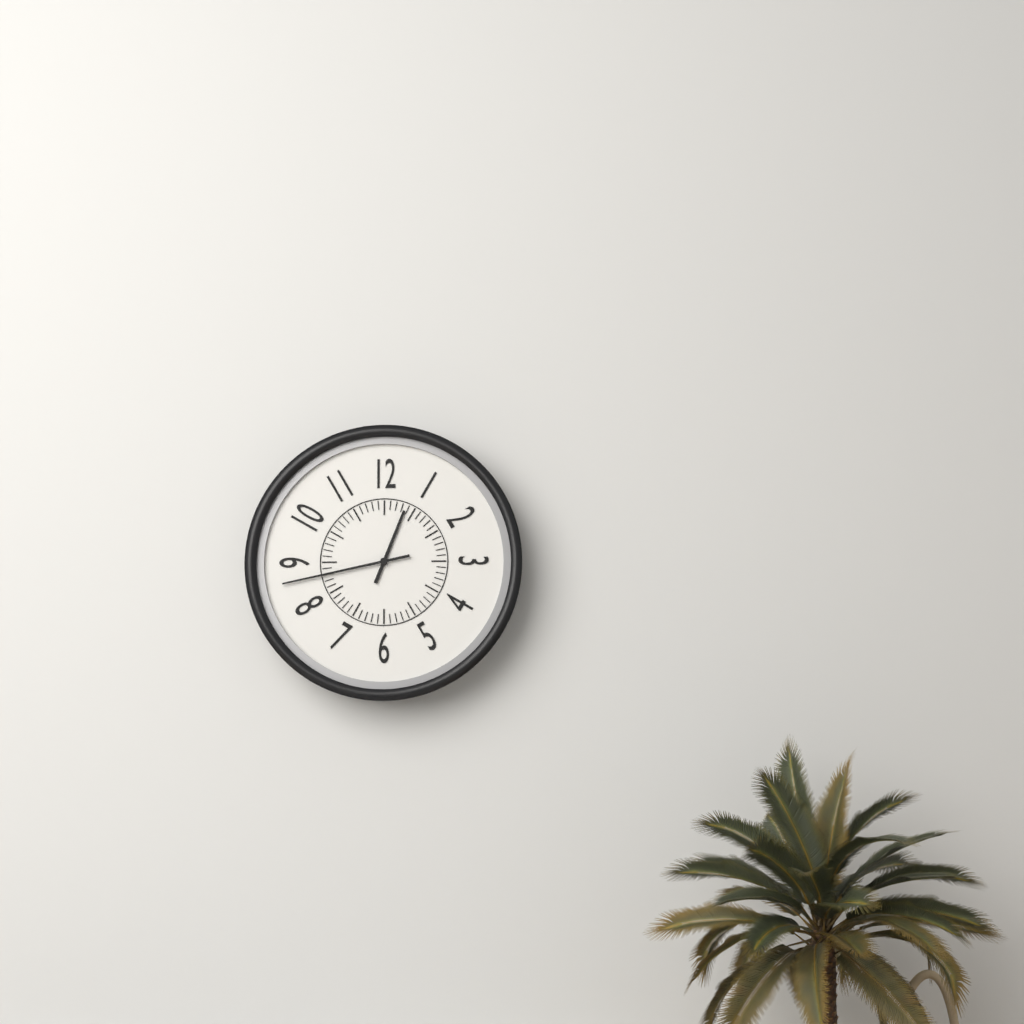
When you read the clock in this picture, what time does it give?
12:43
